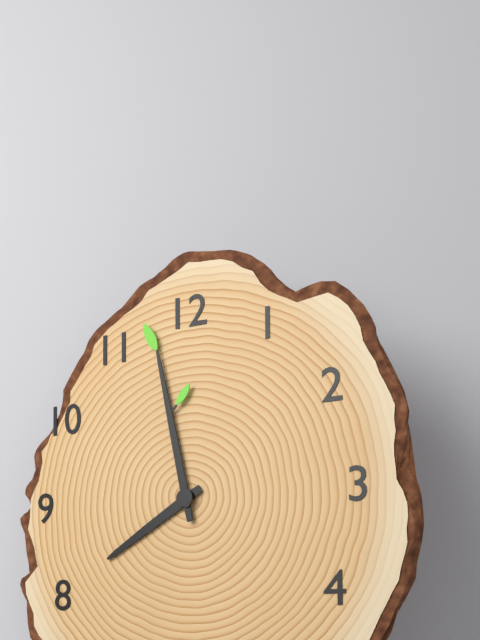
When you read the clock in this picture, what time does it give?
7:58
